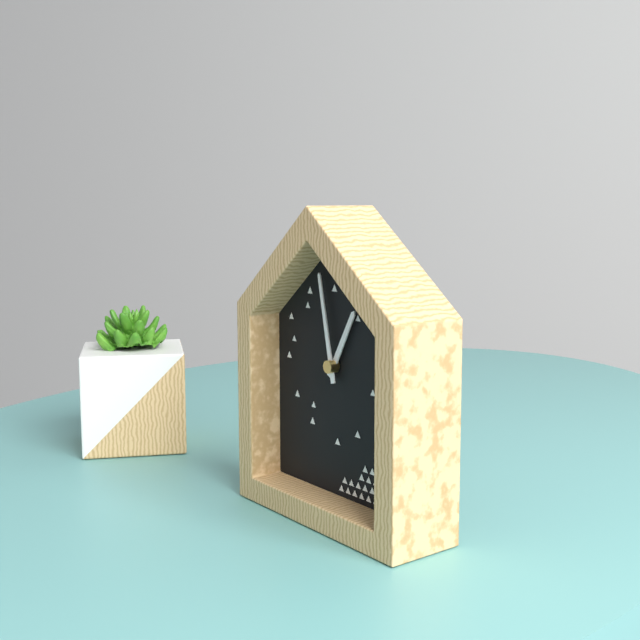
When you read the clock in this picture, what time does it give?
12:58
